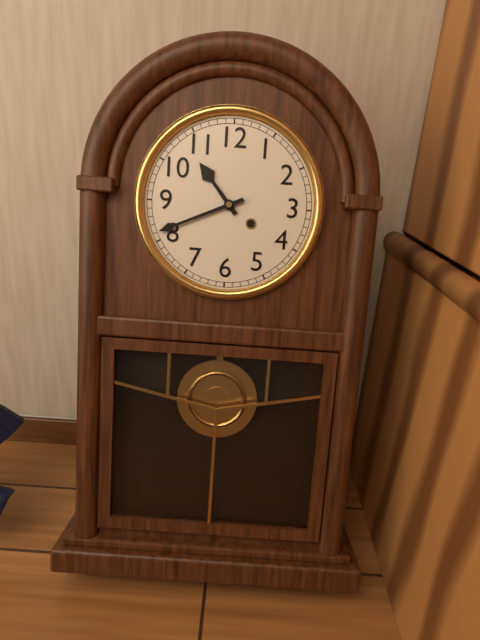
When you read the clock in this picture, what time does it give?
10:41
